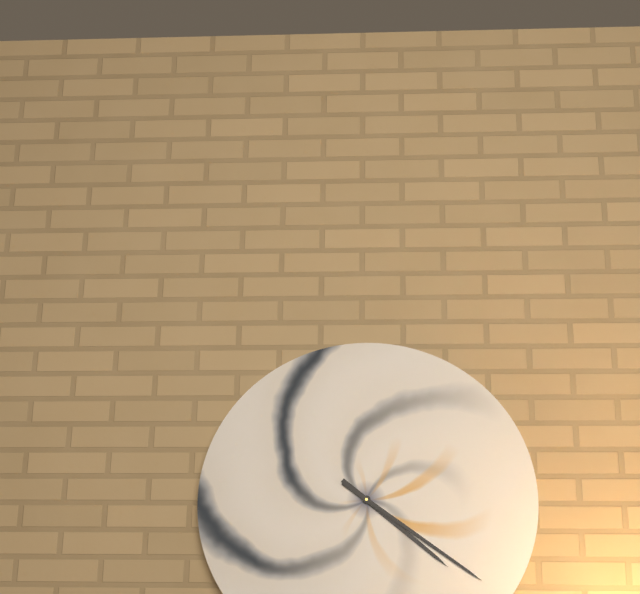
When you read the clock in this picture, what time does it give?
4:21
